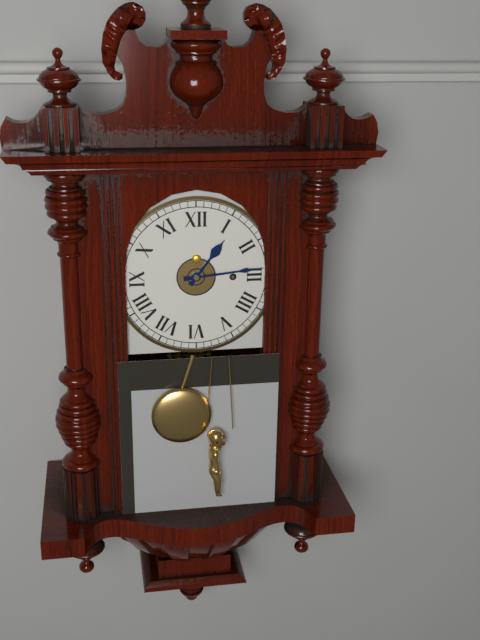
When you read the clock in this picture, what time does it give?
1:14
